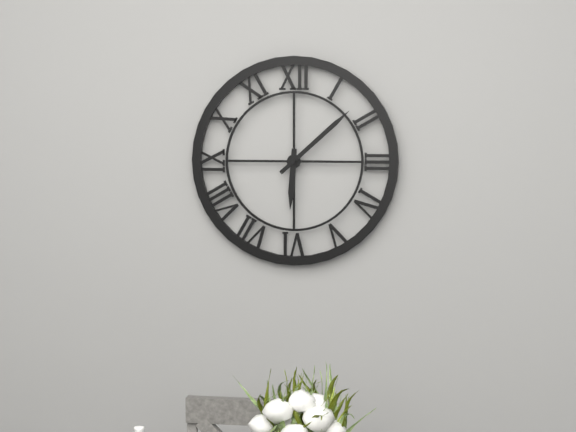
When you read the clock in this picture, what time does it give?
6:08
